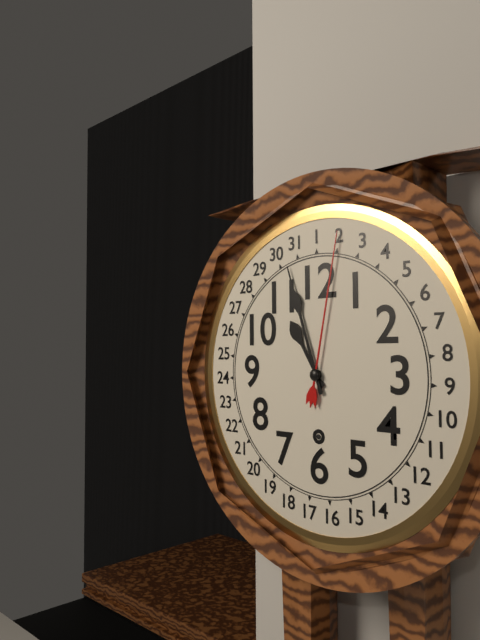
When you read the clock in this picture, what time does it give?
10:57
